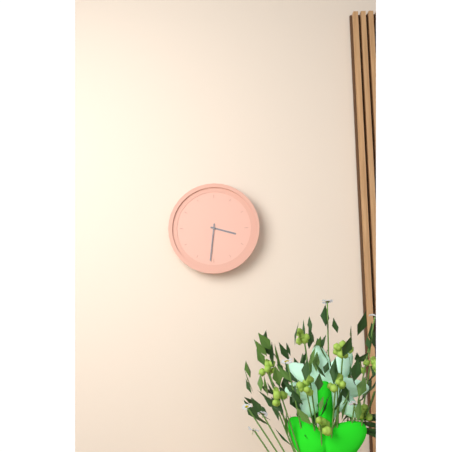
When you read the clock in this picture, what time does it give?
3:31
